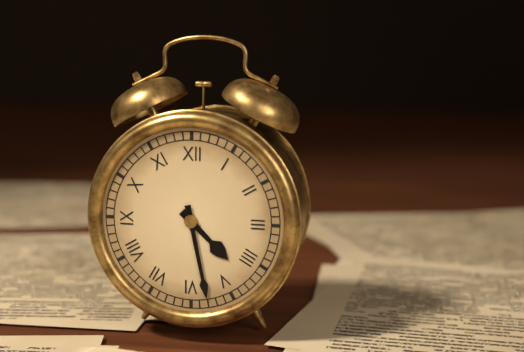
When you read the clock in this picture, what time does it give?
4:28
